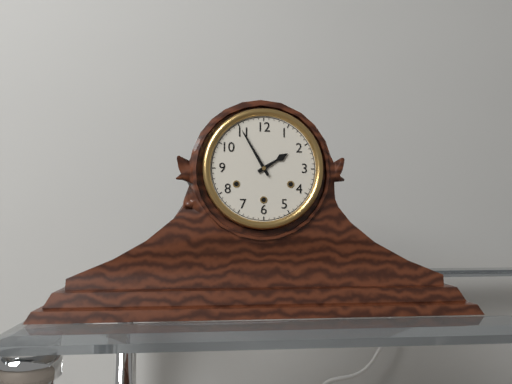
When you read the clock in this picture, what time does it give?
1:55
